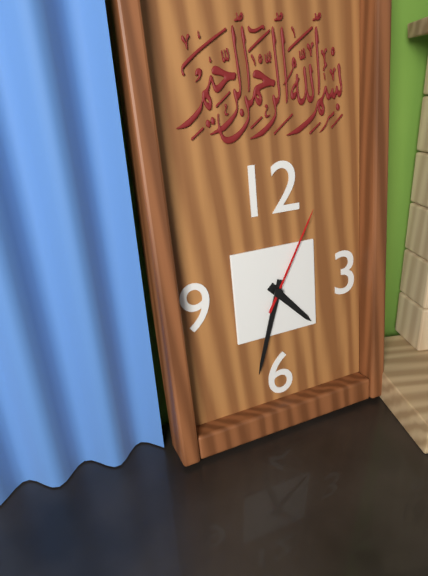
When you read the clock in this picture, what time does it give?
4:33:05
